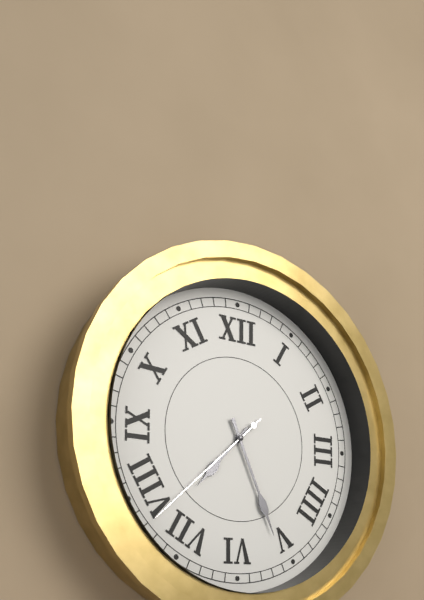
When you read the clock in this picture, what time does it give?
7:26:38
